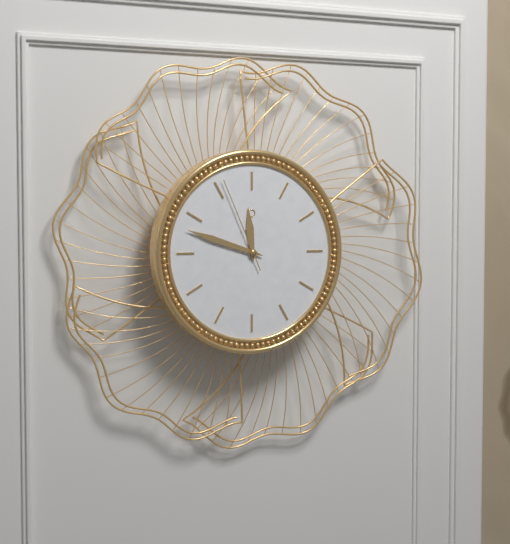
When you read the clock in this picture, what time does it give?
11:48:56
